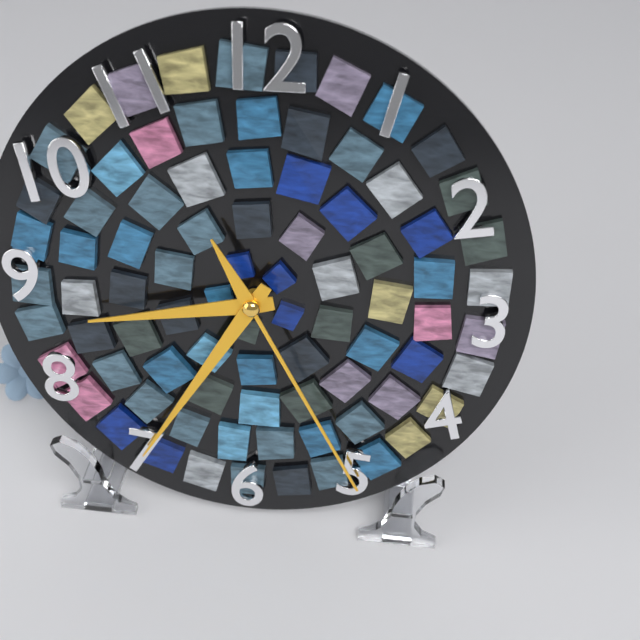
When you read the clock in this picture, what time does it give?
8:35:25
